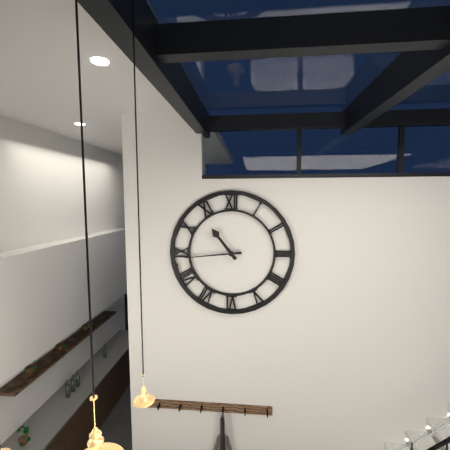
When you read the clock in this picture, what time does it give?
10:44
